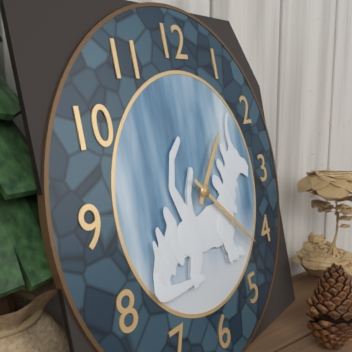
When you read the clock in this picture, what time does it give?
1:22
